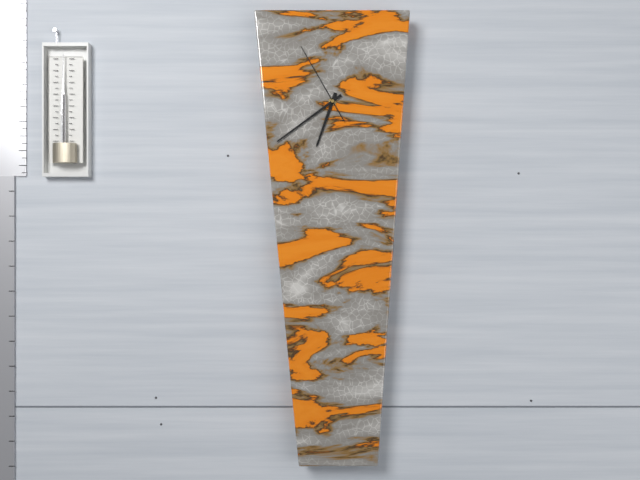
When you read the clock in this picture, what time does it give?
6:39:55
